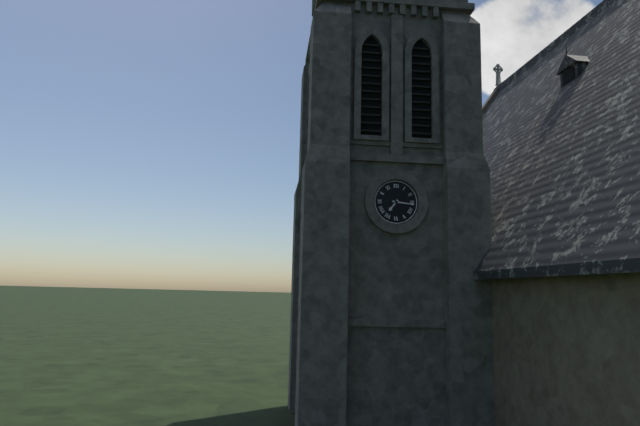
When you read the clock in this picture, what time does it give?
7:16
